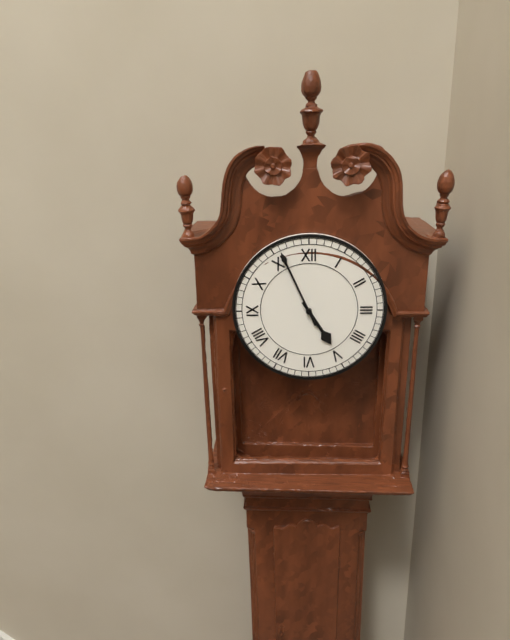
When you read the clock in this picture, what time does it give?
4:56
